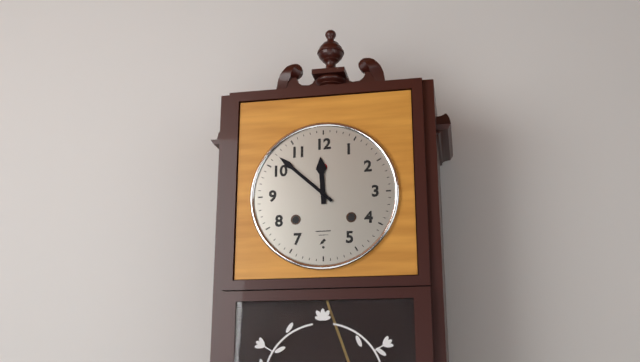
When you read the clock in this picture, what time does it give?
11:52
